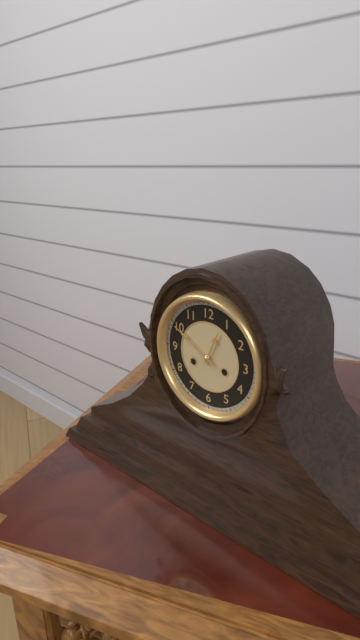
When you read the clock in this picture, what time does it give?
12:50
